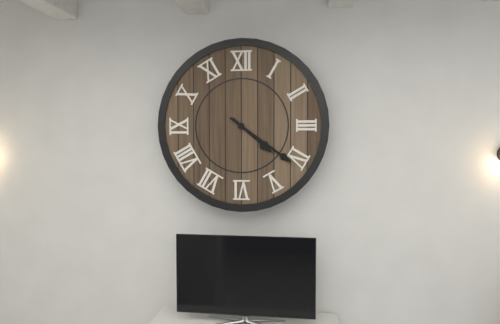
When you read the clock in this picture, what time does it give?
4:21
